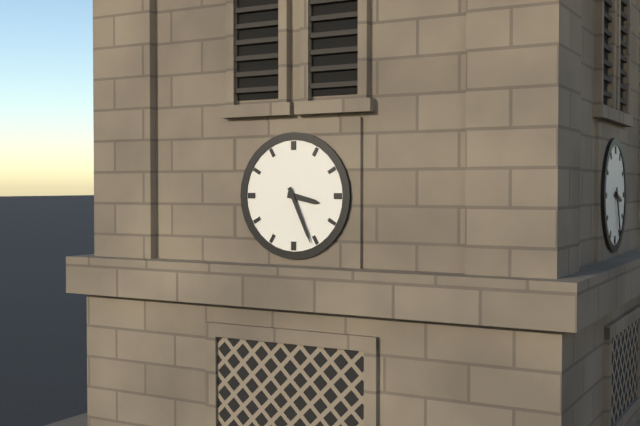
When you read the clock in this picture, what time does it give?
3:26
